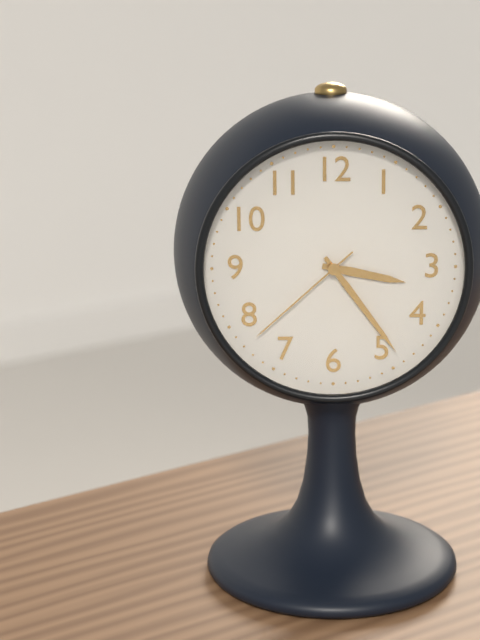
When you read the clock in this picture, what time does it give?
3:24:38
